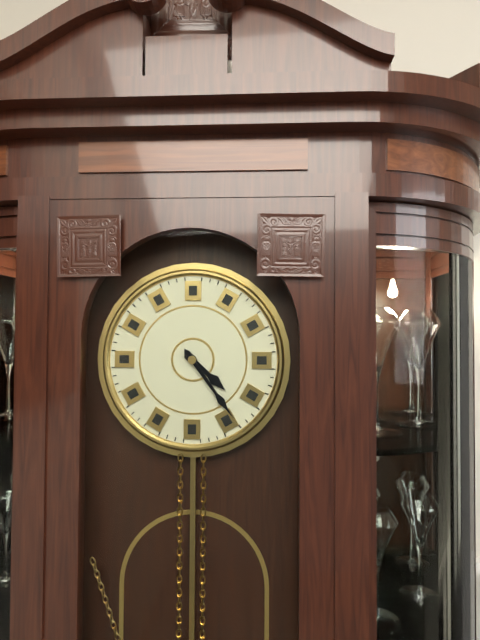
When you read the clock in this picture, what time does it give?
4:24
